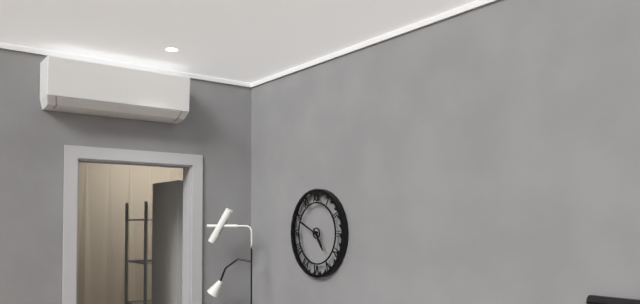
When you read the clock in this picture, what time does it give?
4:49
